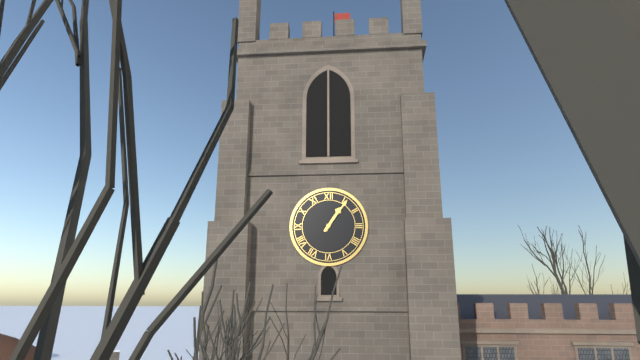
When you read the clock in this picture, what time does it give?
1:06
